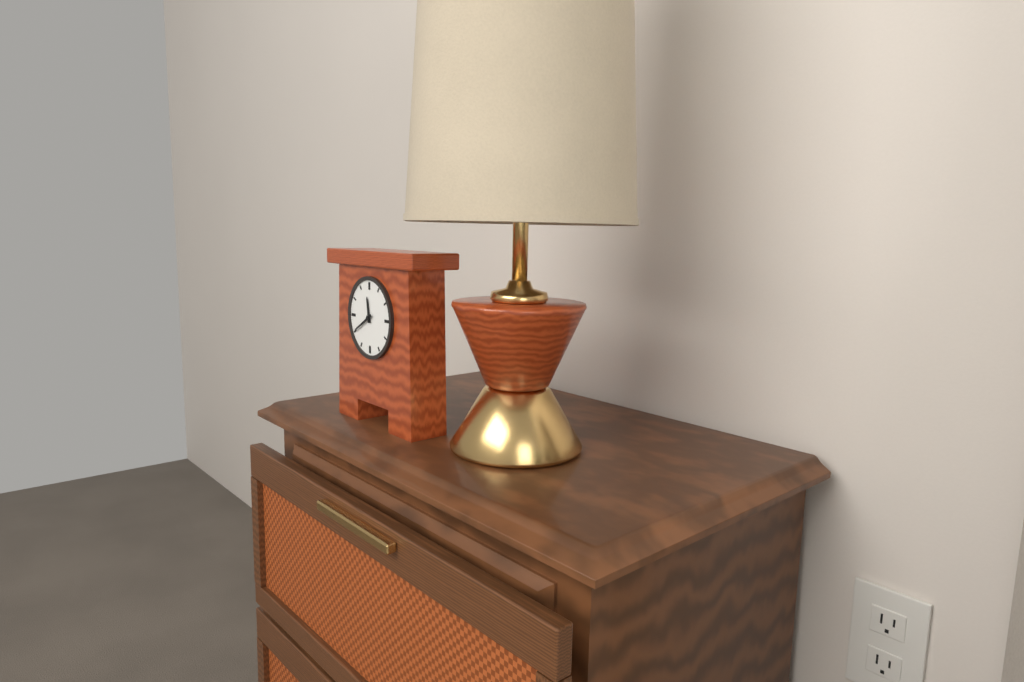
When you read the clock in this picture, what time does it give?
11:40
